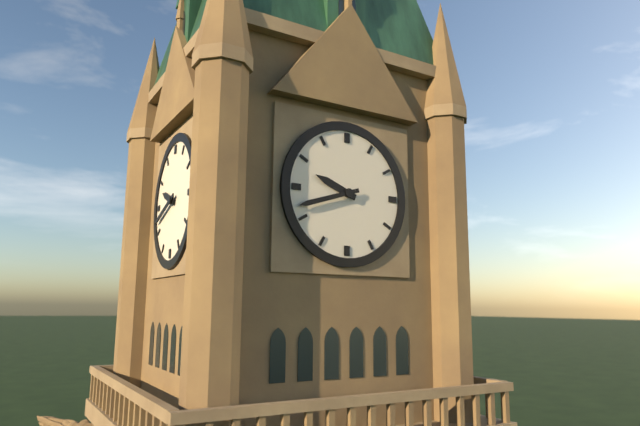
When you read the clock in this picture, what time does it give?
9:42
